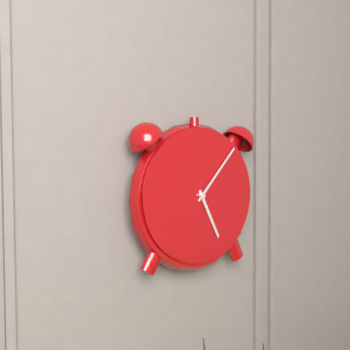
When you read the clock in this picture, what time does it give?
5:07
